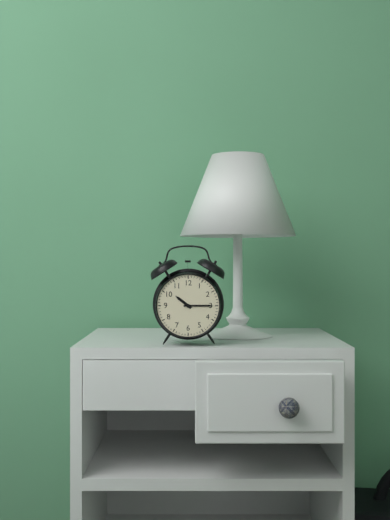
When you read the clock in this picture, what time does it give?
10:15
